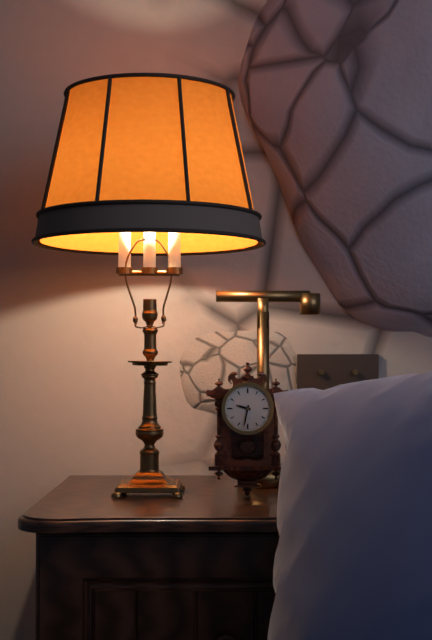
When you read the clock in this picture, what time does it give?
9:32
